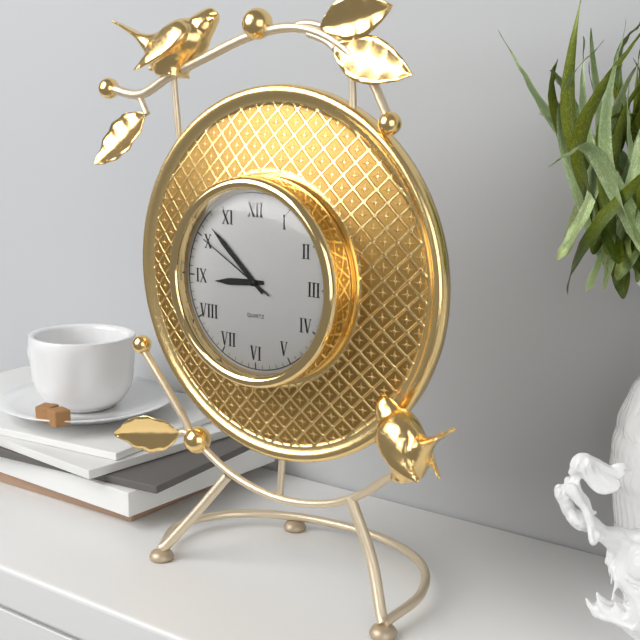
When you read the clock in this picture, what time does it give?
8:52:50
